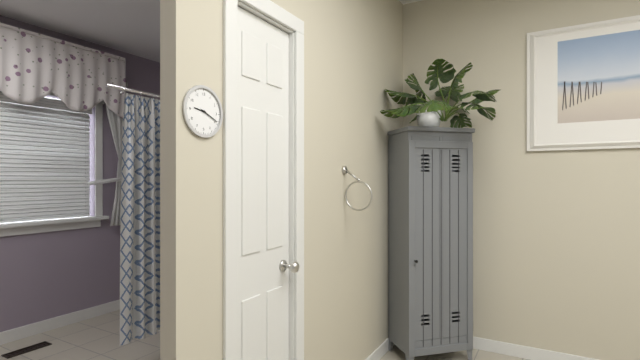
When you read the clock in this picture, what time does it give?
9:19
